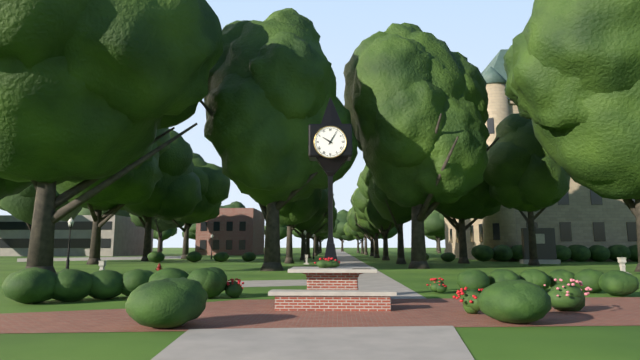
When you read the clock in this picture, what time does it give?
10:05
